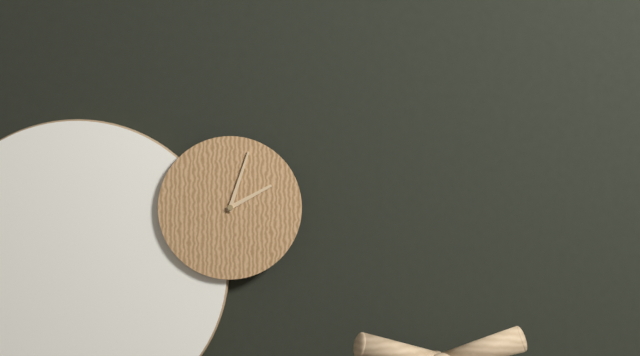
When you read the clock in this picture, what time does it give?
2:03
